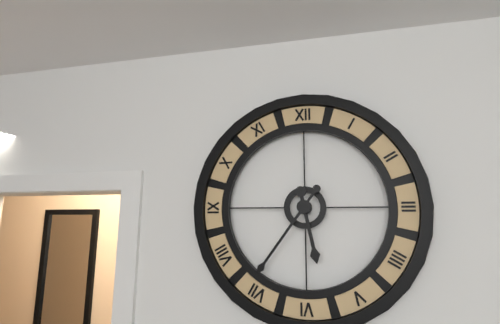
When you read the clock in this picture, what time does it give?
5:36
